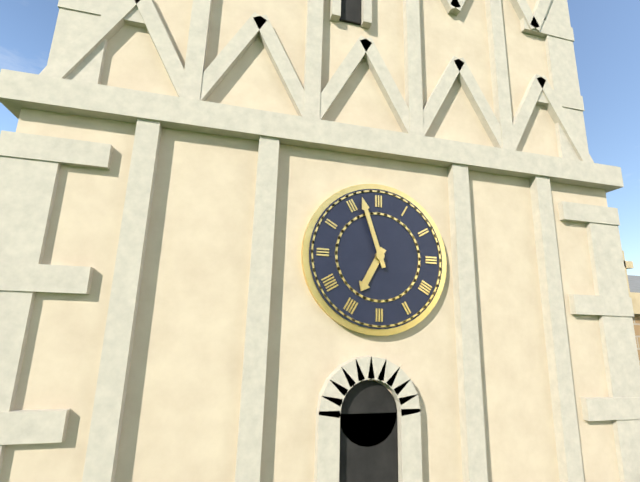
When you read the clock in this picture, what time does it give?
6:57
